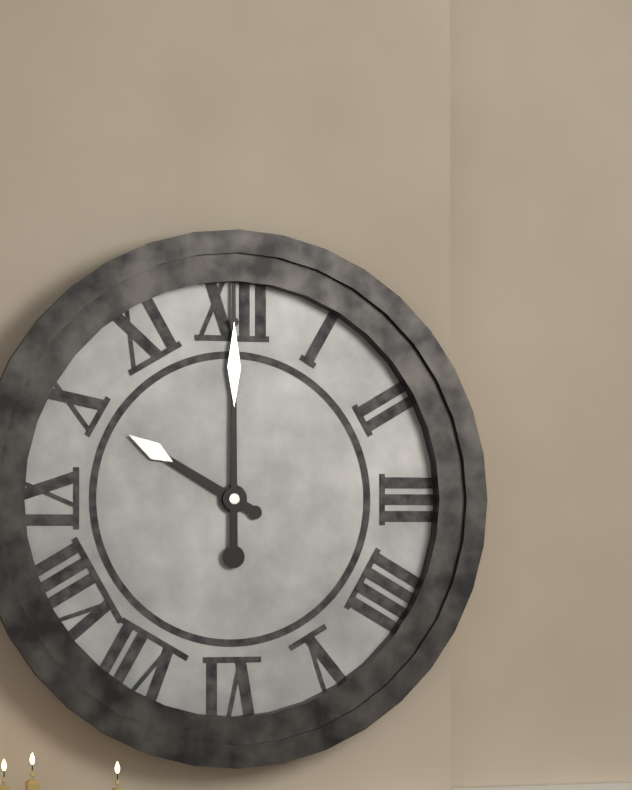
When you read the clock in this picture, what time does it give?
10:00
